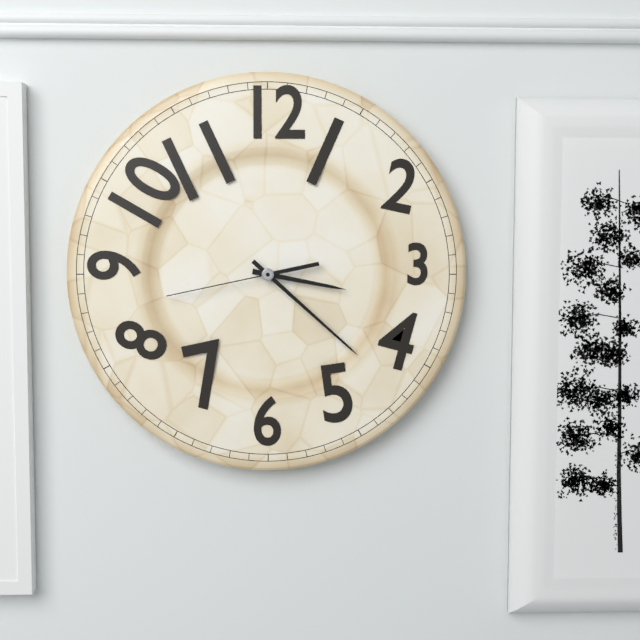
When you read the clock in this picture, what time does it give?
3:22:43
